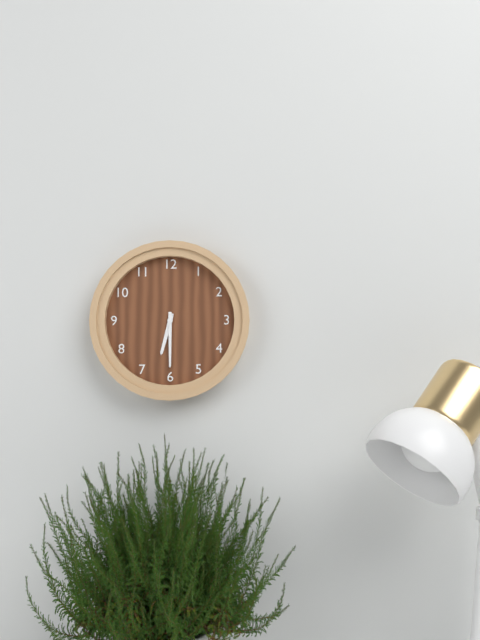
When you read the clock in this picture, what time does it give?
6:30
